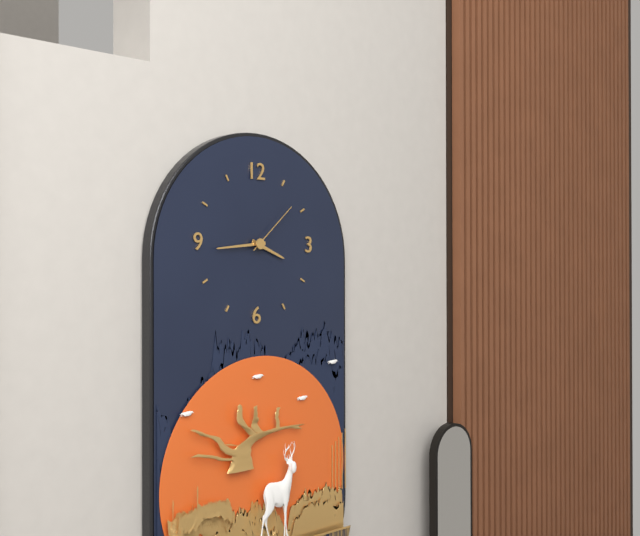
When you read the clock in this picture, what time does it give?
3:44:08
